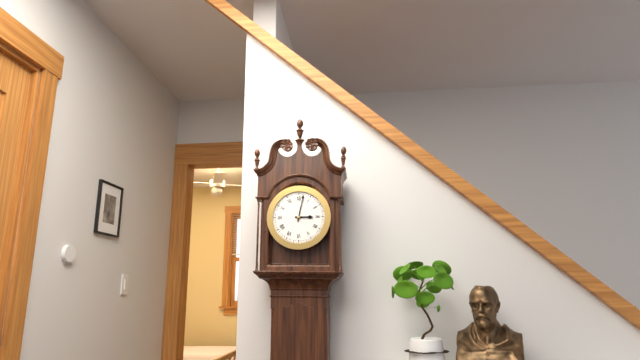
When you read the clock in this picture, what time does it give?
3:02
